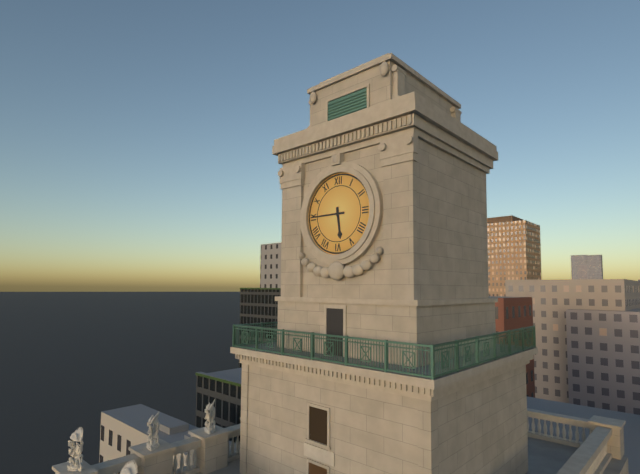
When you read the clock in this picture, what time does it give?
5:45
